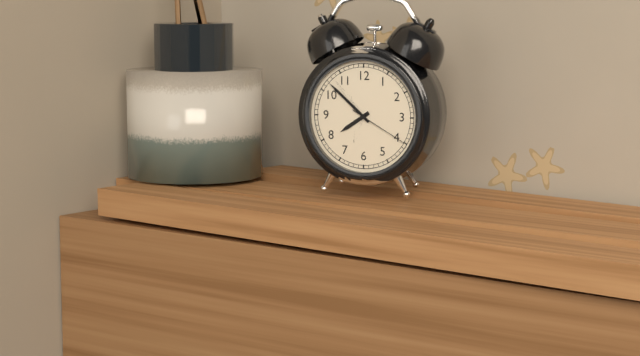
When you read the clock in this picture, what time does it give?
7:52:20
